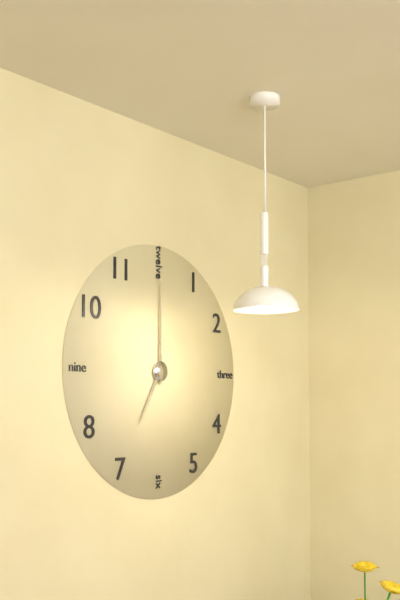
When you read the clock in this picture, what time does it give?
7:00
